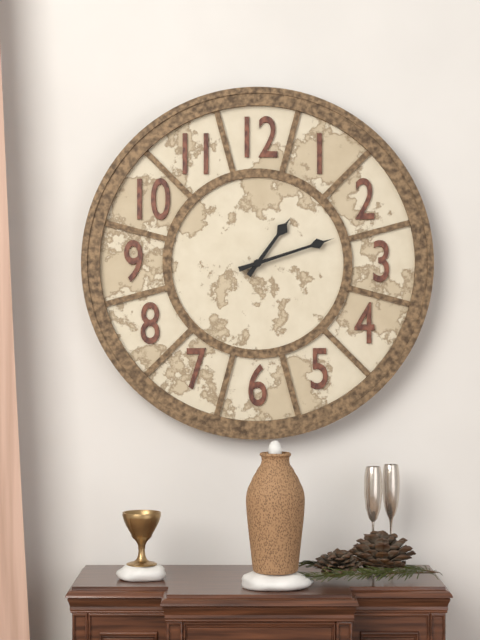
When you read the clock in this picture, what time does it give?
1:12
